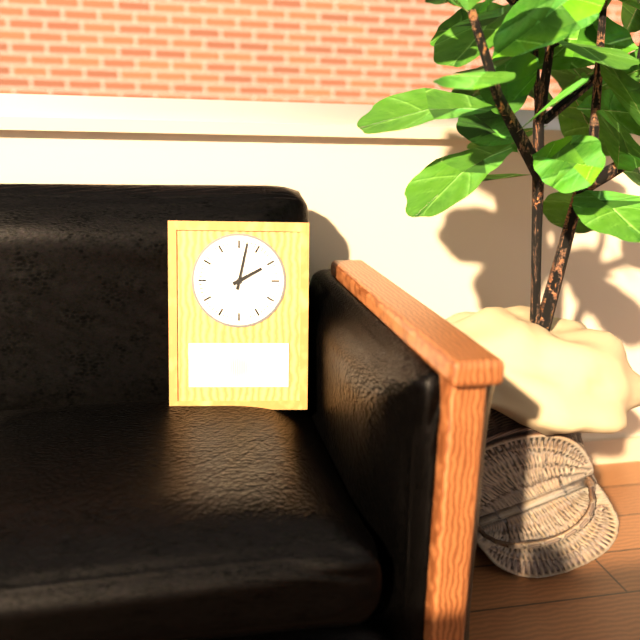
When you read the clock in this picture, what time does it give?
2:02
